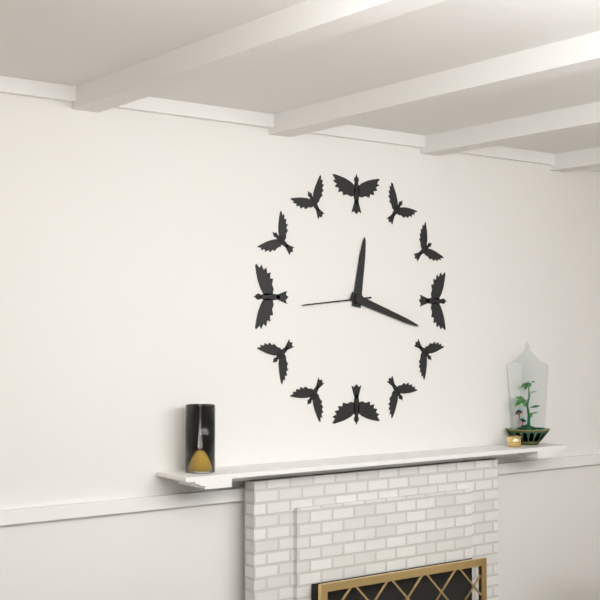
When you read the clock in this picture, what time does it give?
12:18:44
